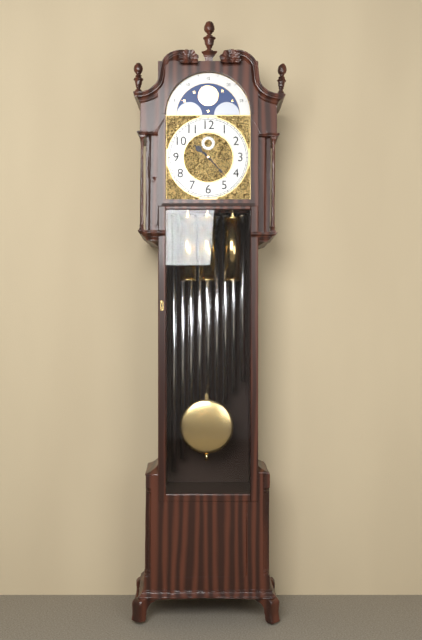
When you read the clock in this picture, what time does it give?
10:23
